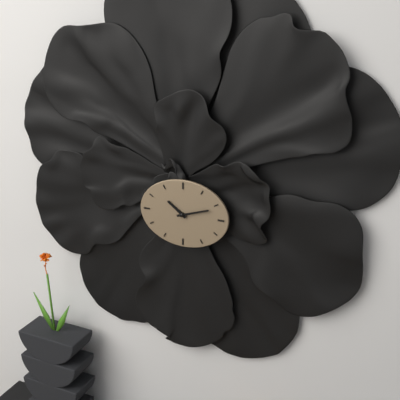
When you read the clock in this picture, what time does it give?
10:12
